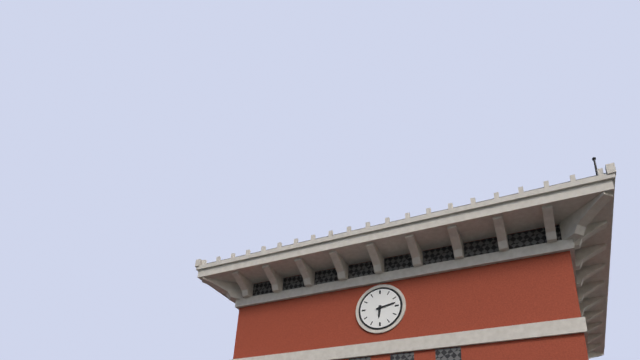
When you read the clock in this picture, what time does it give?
6:13
